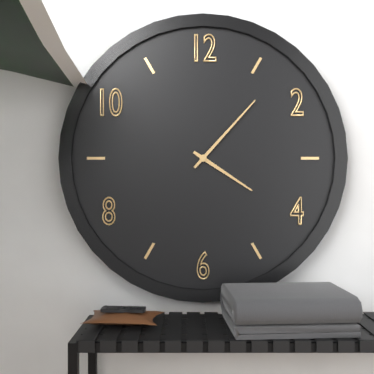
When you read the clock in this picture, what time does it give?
4:07
